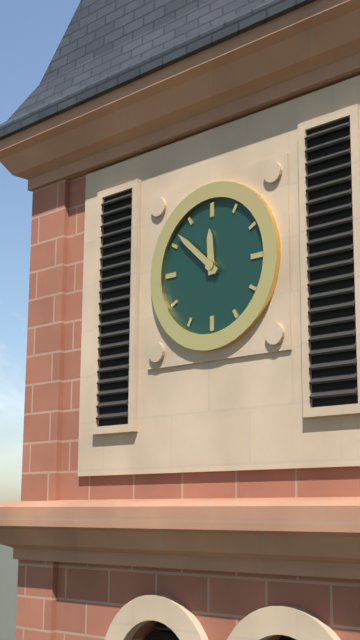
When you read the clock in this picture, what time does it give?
11:52
